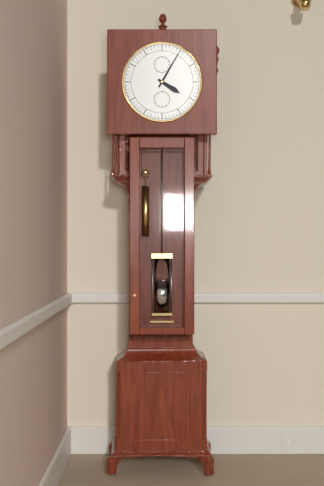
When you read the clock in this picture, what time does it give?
4:05
